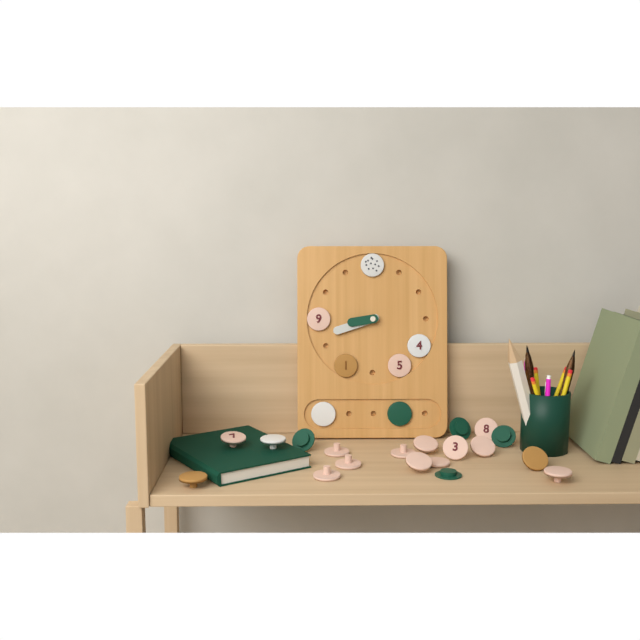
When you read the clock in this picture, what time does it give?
8:42
